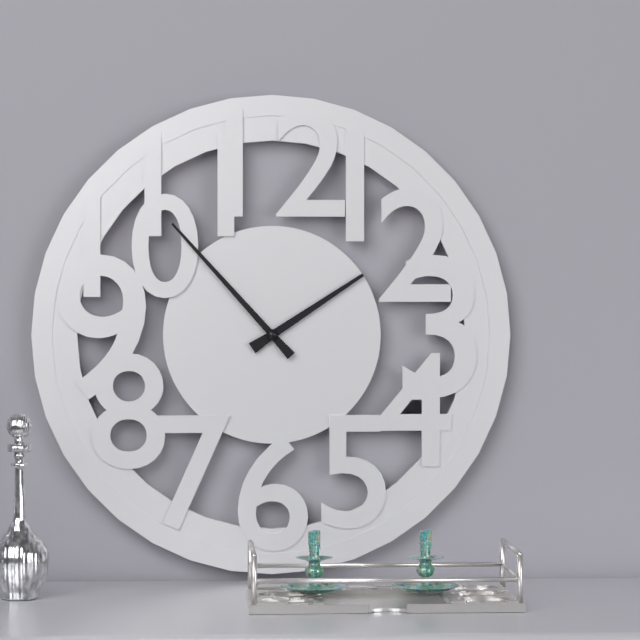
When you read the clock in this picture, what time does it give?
1:53
